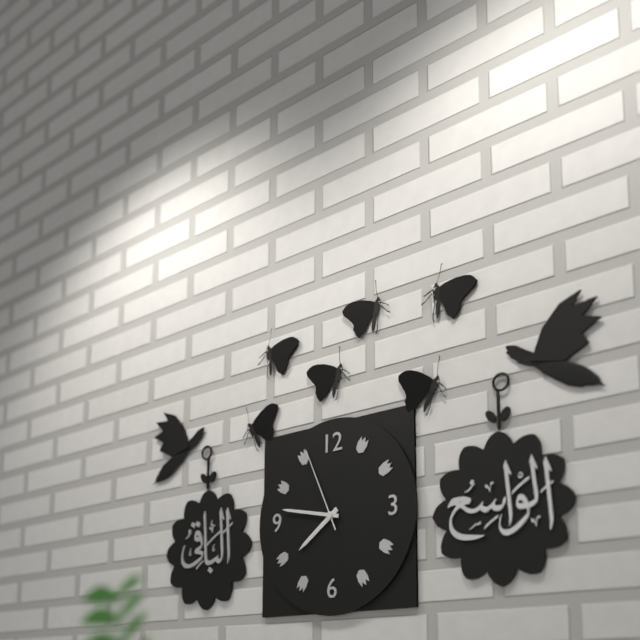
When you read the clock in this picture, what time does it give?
7:47:56
